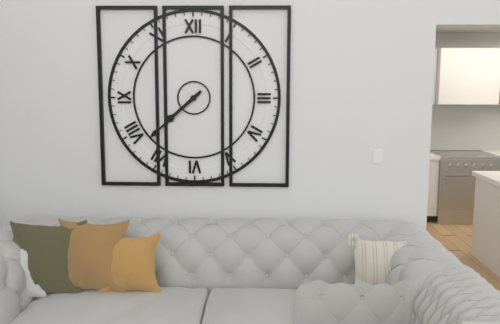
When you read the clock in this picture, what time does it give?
7:38
